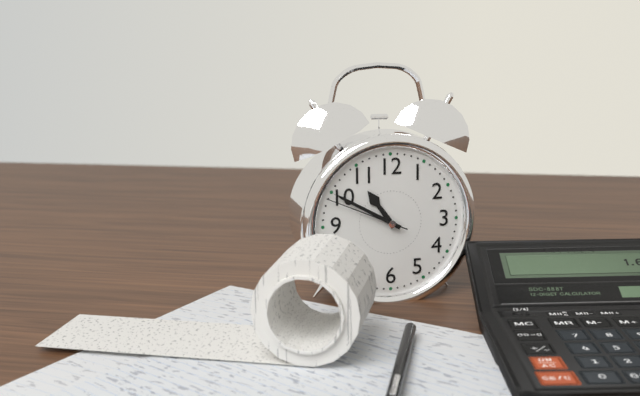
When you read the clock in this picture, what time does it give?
10:50:49
